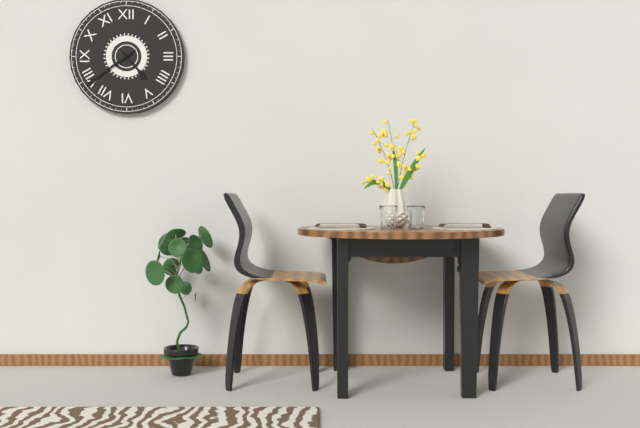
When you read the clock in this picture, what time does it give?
4:39
